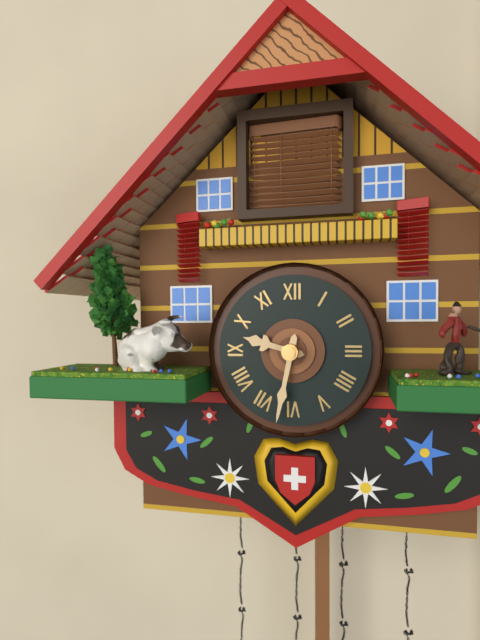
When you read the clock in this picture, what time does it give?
9:32
